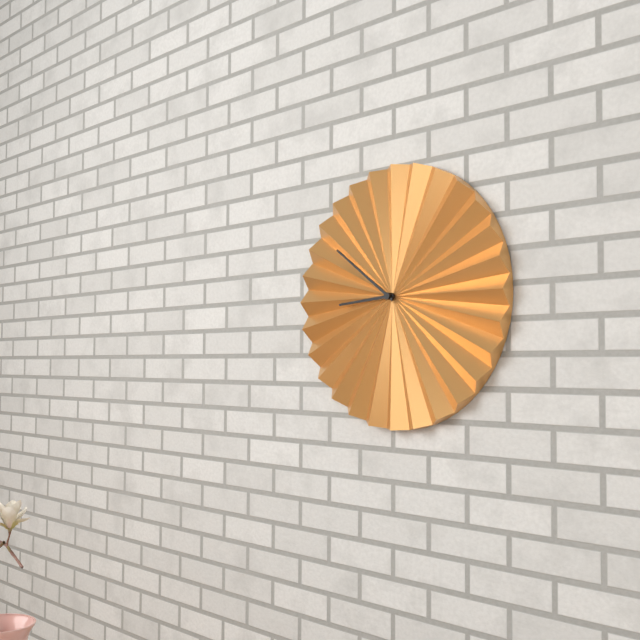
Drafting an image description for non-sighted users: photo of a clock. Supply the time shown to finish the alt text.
8:51
